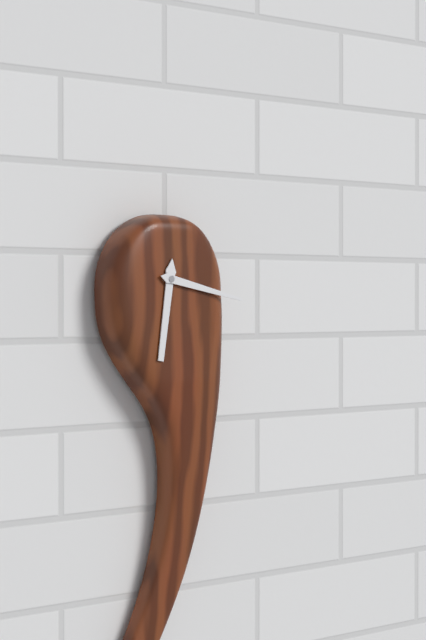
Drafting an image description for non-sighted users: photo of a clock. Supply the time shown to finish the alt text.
6:17
